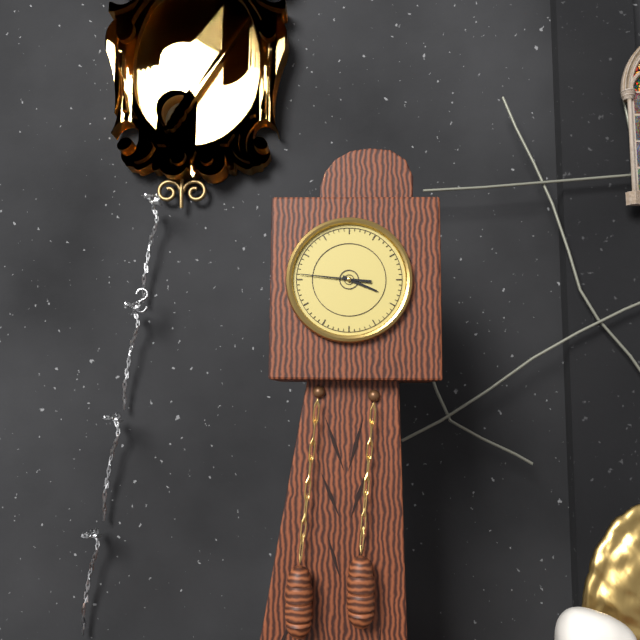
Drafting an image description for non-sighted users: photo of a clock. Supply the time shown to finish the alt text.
3:46
